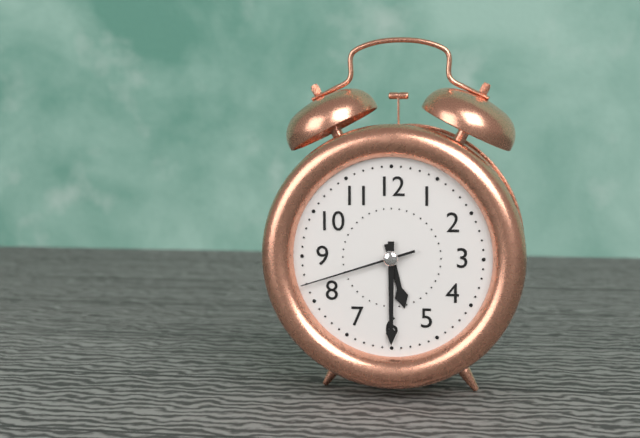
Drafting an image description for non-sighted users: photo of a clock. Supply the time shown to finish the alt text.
5:30:42
